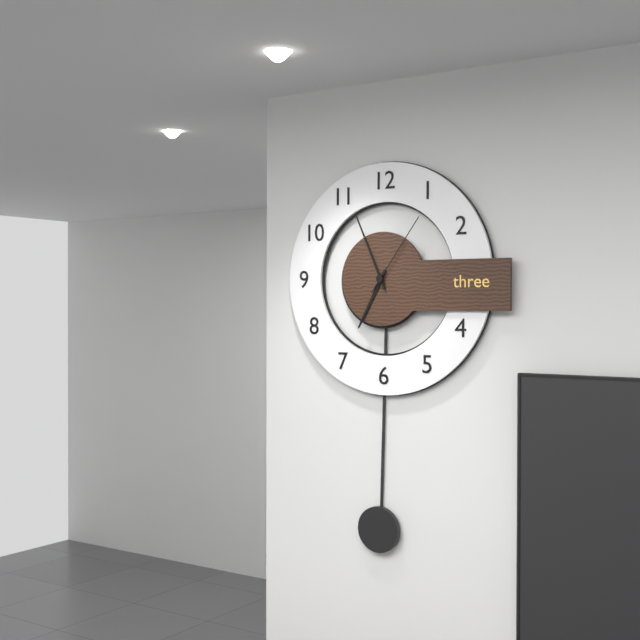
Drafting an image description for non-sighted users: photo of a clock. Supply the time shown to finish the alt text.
6:56:06
